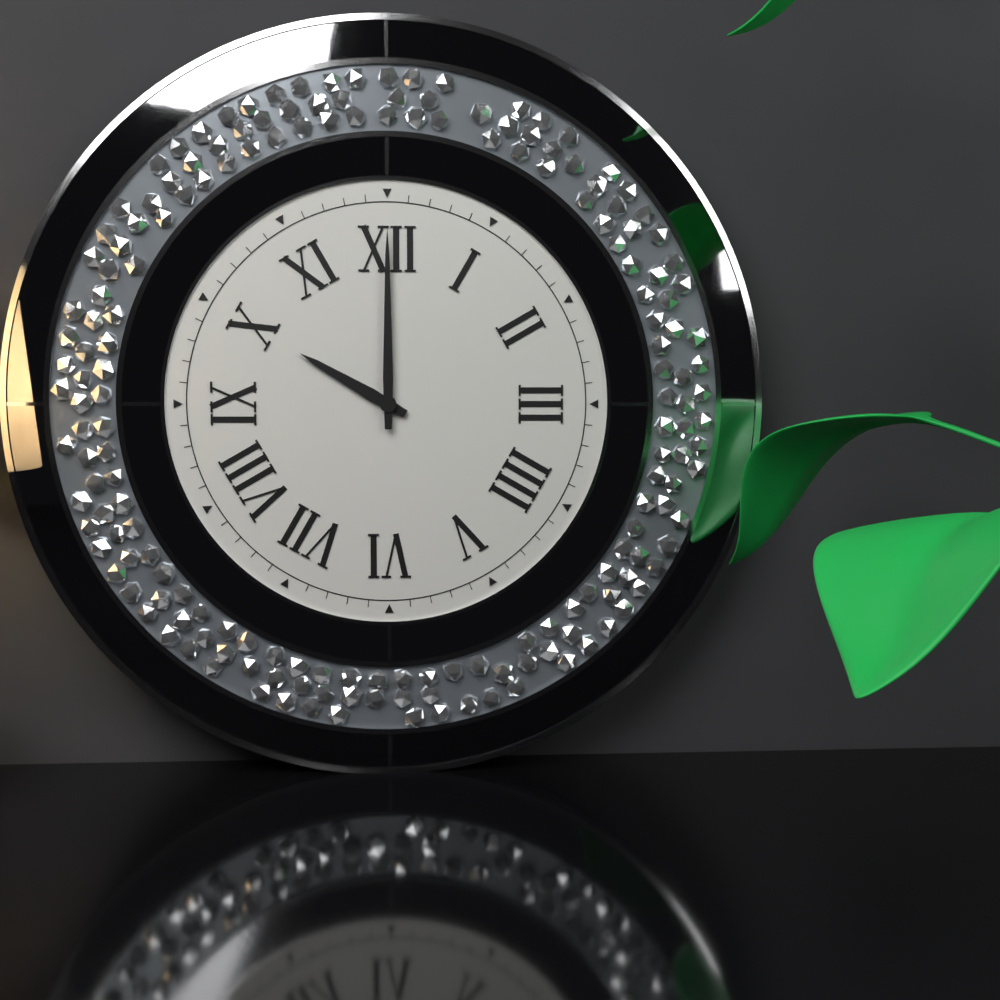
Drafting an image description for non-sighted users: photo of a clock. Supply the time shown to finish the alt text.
10:00
